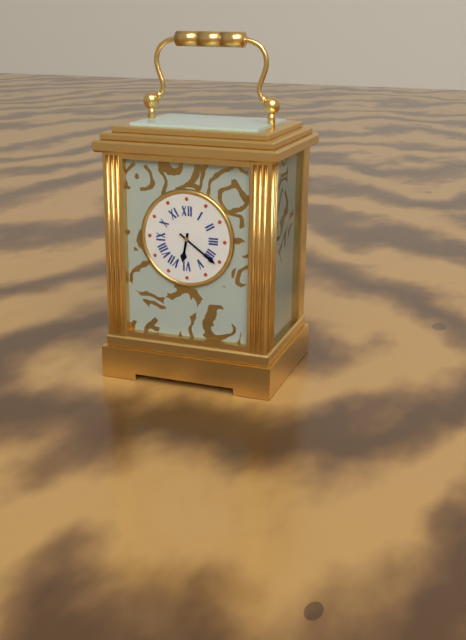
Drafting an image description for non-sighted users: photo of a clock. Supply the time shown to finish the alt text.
6:21
